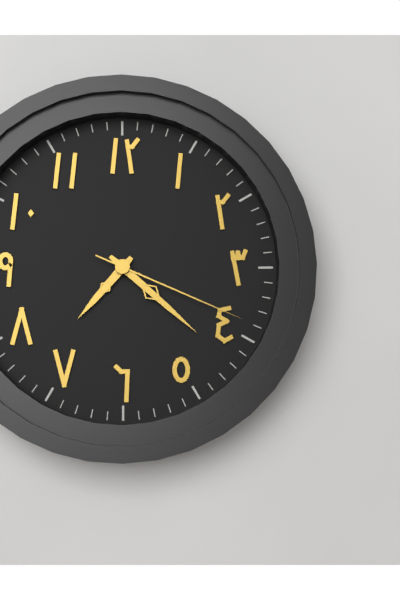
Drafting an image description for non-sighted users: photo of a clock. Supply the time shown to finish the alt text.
7:22:19
